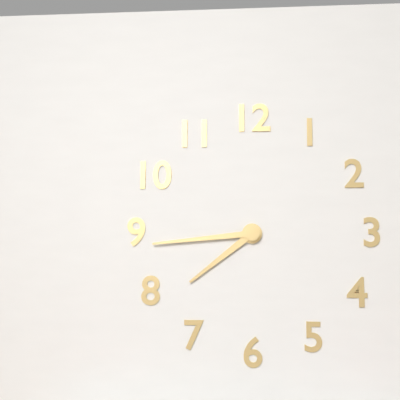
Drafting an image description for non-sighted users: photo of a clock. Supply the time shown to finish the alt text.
7:44
